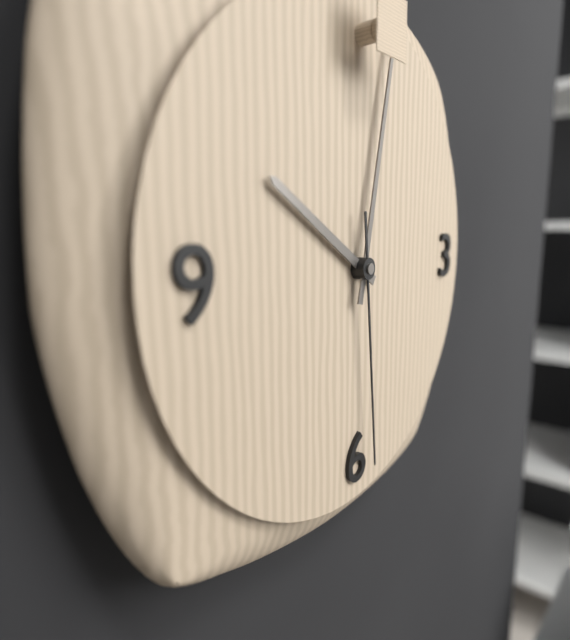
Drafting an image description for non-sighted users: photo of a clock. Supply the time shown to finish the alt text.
10:02:29
